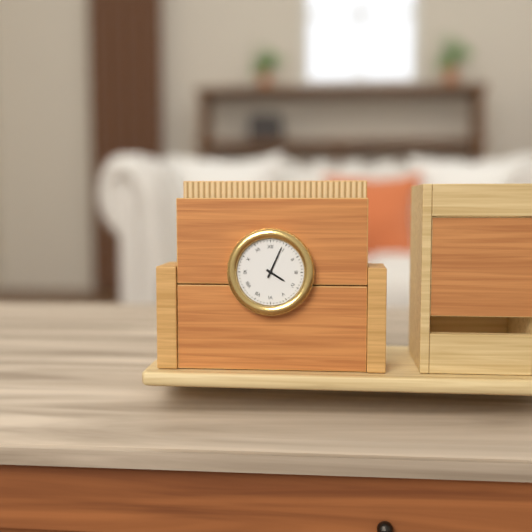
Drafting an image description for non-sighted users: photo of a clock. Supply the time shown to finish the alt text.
4:04
